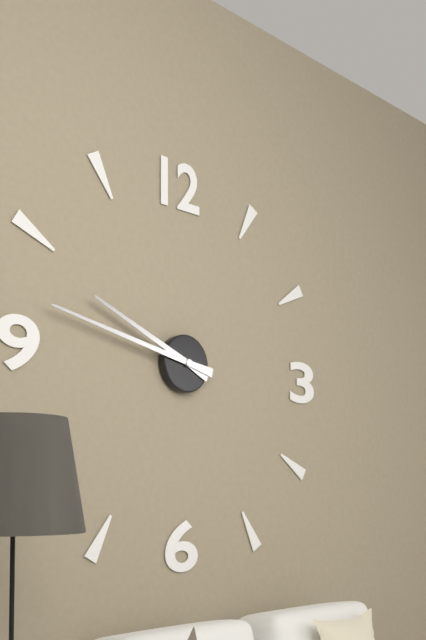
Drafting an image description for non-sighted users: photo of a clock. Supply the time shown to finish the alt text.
9:47
